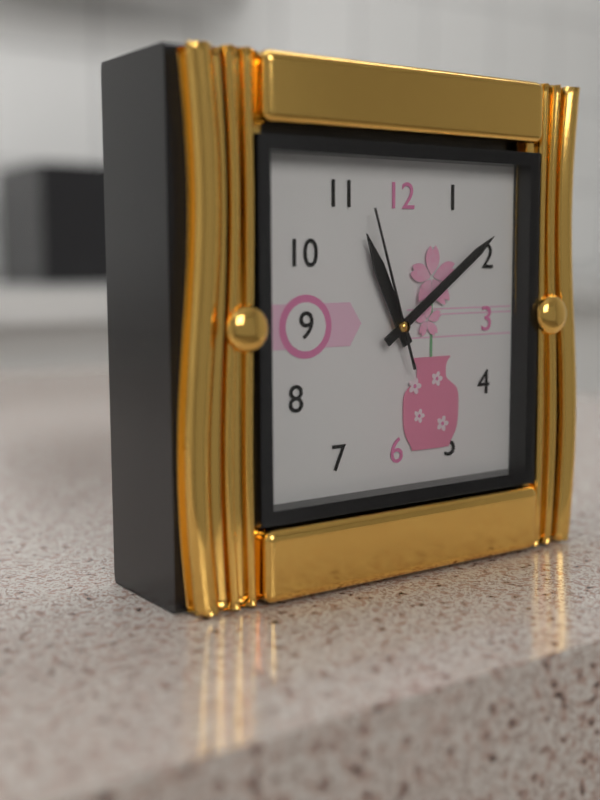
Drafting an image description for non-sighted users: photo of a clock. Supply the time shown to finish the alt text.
11:09:57
